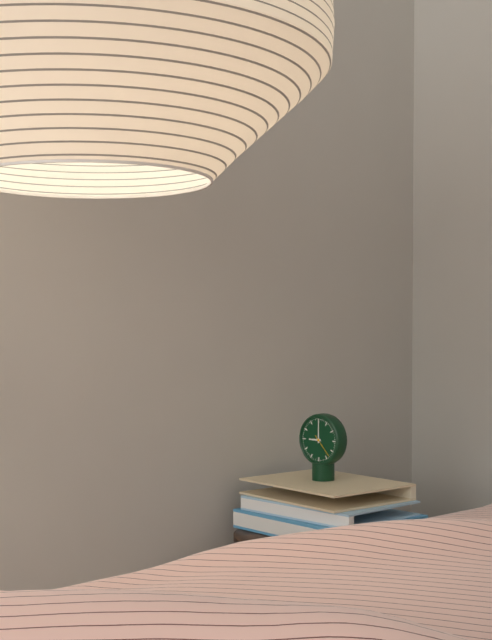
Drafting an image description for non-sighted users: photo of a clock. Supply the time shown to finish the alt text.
9:00
